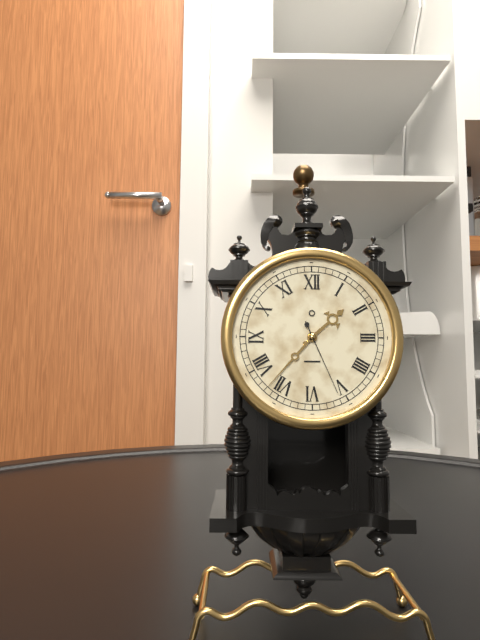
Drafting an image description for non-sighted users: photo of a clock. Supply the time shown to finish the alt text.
1:37:26
